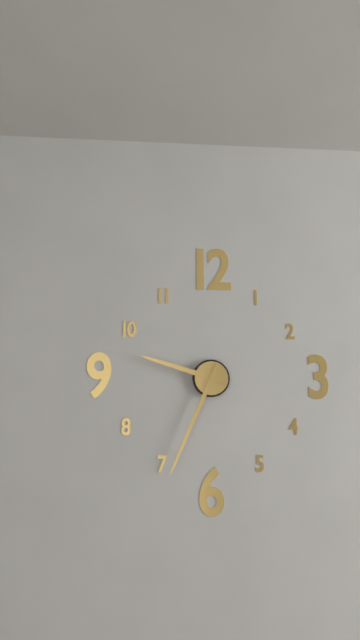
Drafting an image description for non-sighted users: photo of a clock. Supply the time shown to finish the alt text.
9:34
